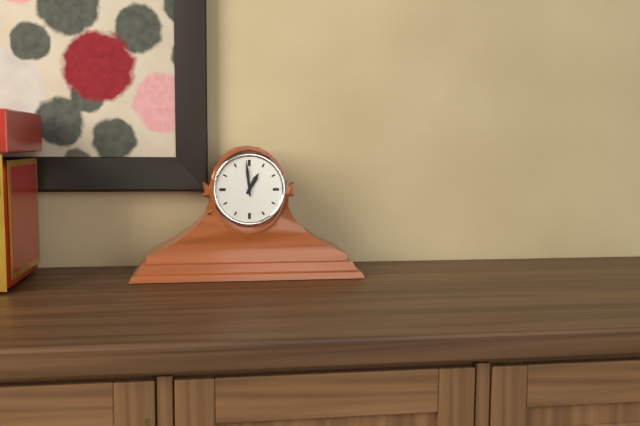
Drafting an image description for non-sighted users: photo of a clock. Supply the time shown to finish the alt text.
12:59
